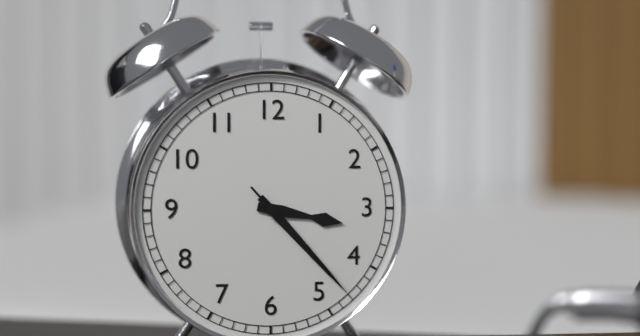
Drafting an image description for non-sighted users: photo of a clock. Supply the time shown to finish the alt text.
3:23:23
